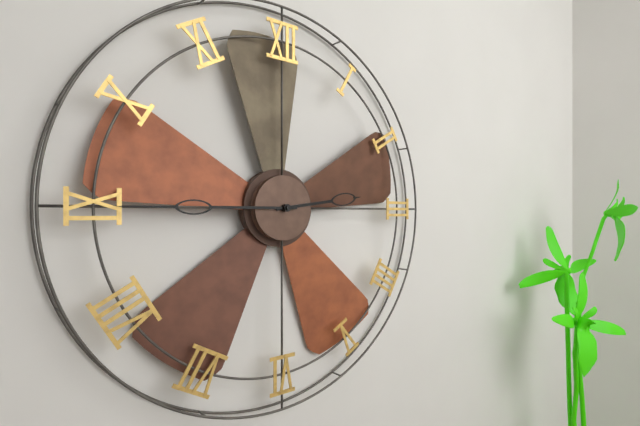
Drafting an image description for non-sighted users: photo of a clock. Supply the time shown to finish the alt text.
2:45
